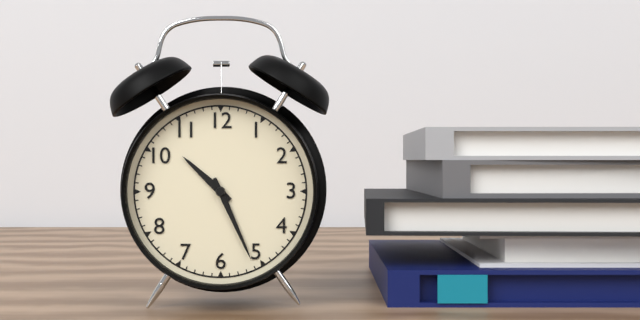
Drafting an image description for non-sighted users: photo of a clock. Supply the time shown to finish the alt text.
10:26
